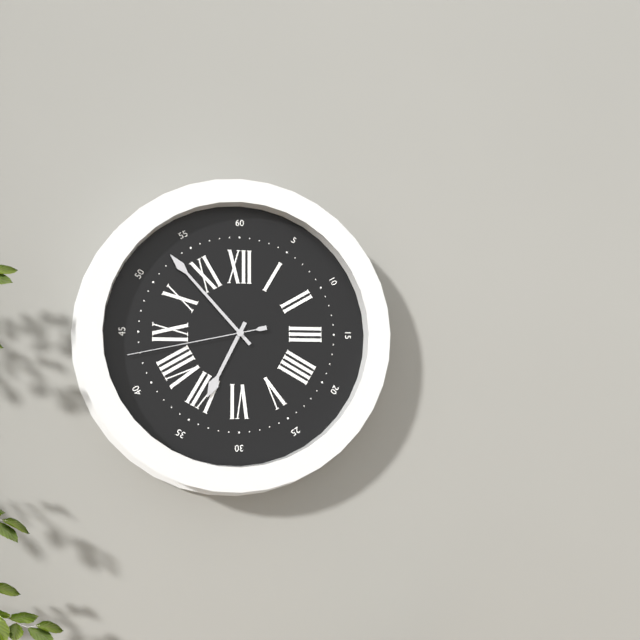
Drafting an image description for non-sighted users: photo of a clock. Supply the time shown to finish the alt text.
6:53:43
